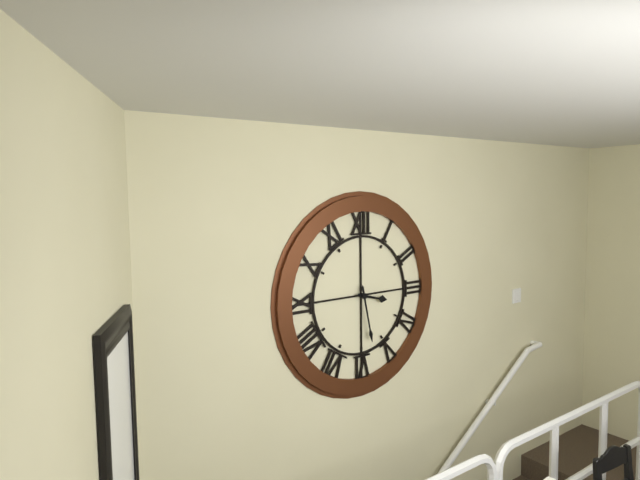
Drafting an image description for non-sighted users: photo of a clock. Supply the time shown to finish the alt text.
3:28
